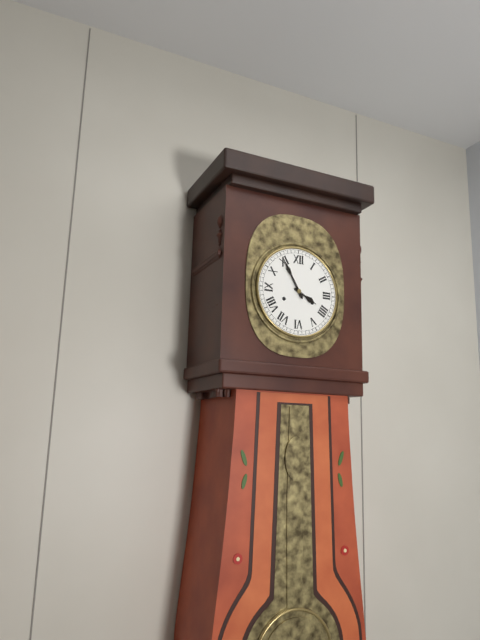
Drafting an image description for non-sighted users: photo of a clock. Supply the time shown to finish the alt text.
3:55
